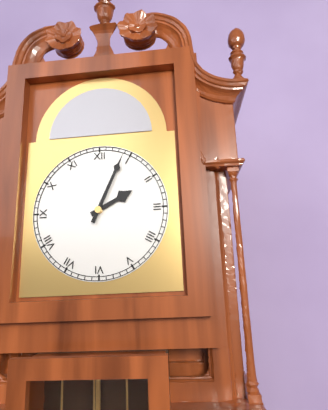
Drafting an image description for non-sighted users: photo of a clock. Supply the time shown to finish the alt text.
2:04
